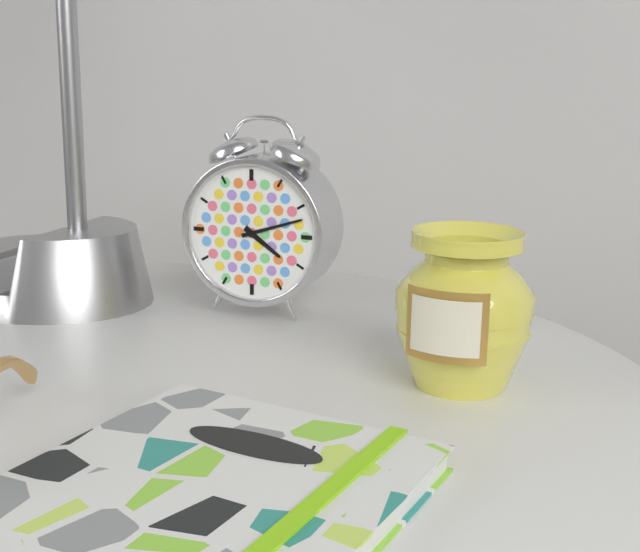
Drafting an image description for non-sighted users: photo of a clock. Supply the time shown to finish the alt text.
4:12
